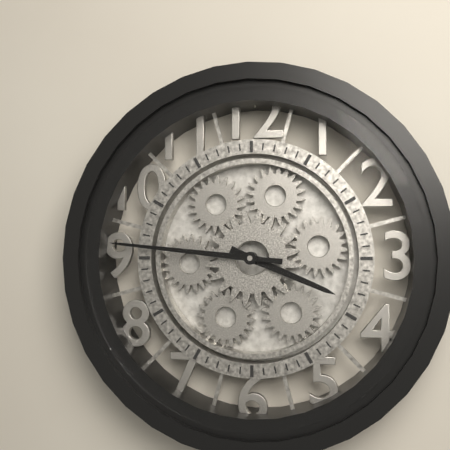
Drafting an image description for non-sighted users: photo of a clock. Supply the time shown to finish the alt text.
3:46
